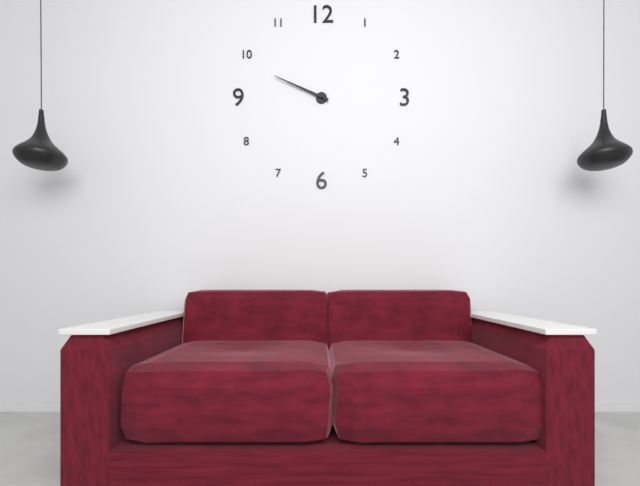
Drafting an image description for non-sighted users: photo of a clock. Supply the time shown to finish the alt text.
9:49
